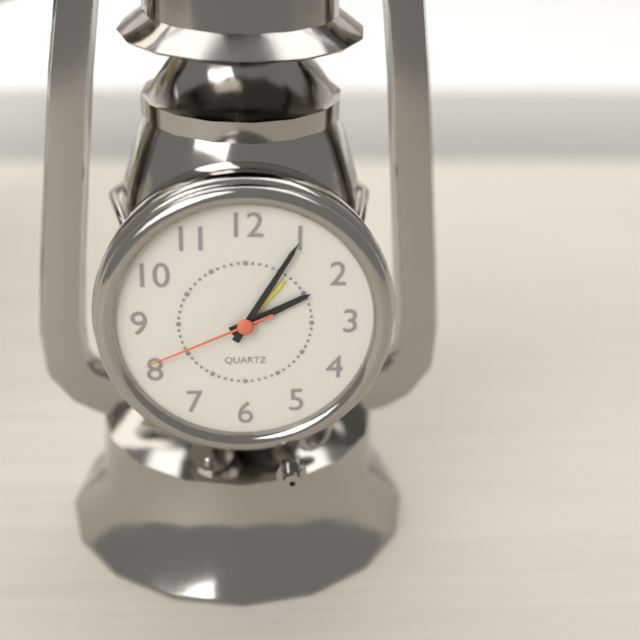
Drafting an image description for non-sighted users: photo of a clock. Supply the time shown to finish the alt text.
2:05:41
